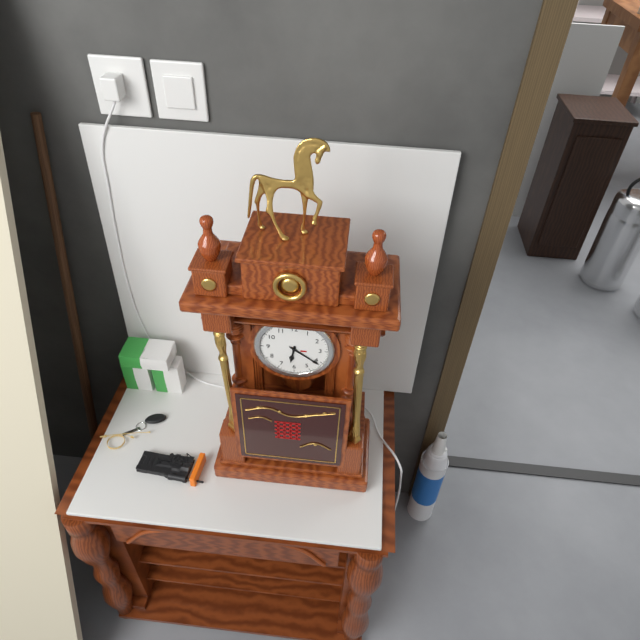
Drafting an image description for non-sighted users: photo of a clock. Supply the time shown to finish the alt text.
6:21
